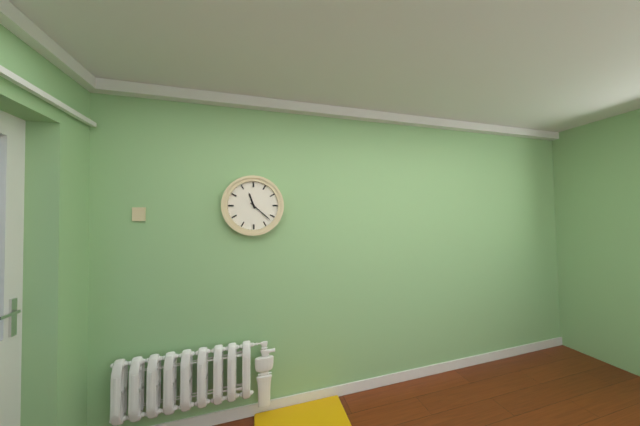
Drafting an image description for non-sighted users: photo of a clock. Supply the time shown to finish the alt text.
11:22
